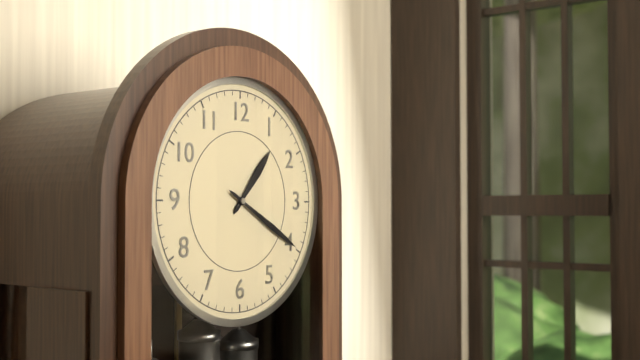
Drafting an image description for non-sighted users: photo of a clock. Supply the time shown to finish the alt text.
1:20
